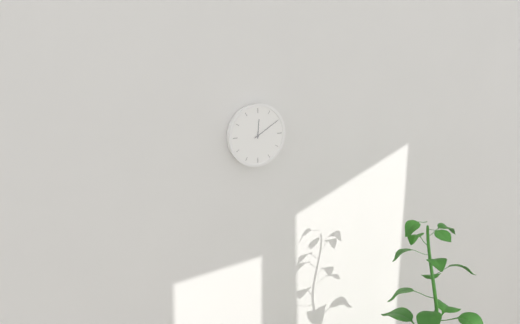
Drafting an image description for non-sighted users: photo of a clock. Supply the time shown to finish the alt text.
12:10
